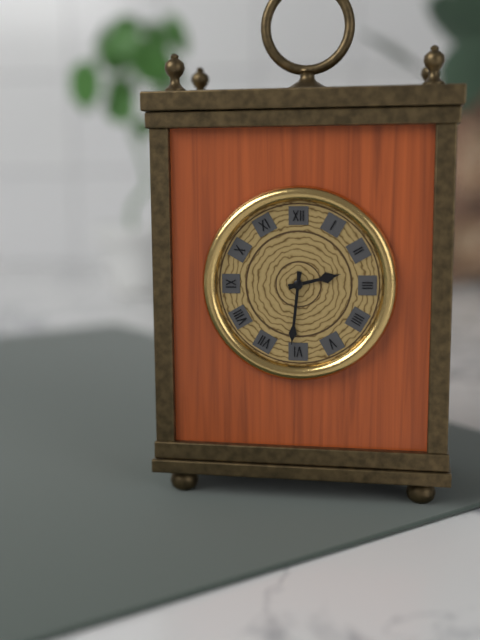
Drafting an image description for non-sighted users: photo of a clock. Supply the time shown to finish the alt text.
2:31
